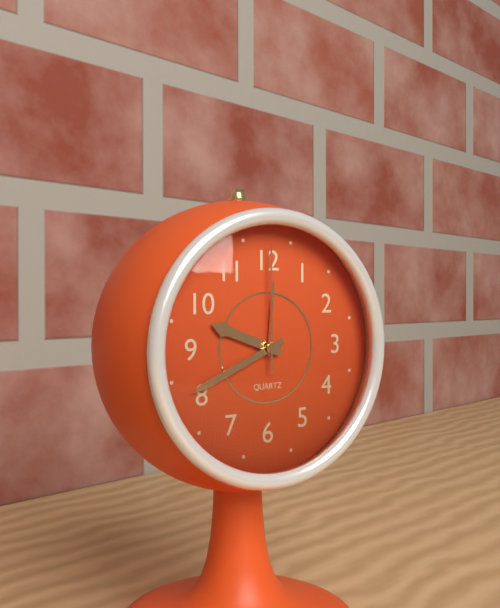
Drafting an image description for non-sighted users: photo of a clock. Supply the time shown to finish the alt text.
9:41:00
